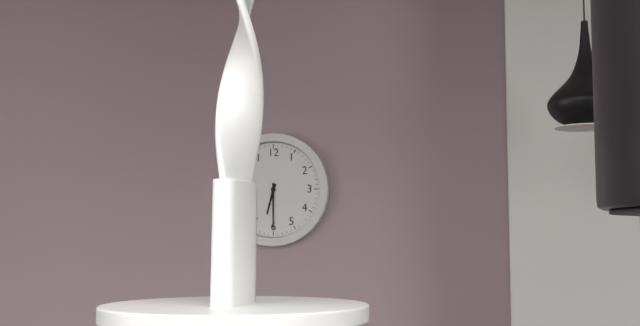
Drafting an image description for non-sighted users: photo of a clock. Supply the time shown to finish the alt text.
6:30
